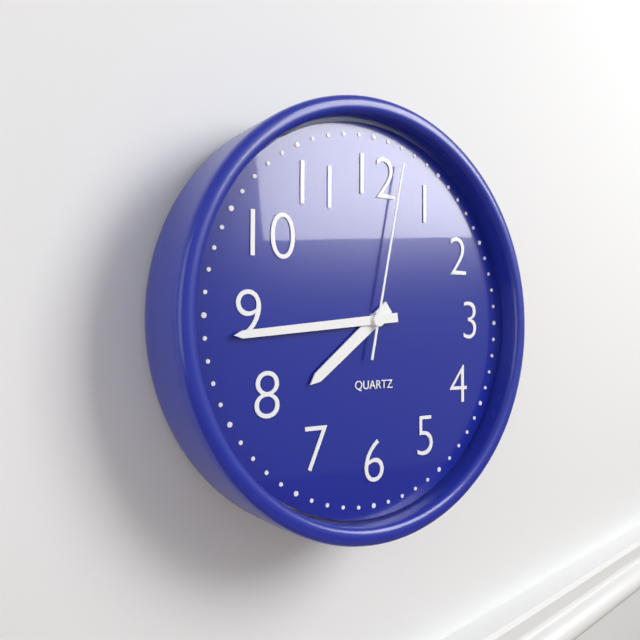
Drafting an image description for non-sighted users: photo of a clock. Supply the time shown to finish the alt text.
7:44:02
